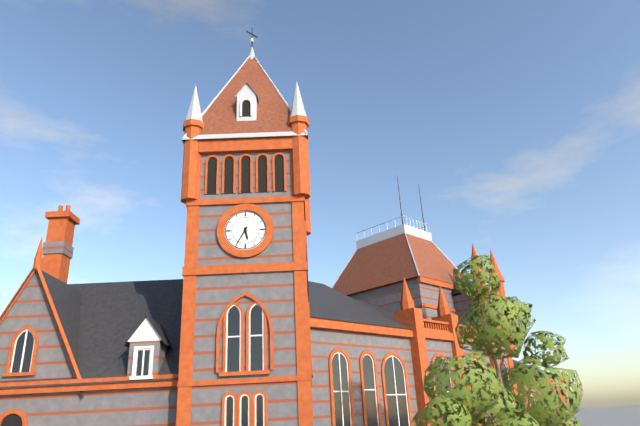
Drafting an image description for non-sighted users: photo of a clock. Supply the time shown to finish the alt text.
5:35
